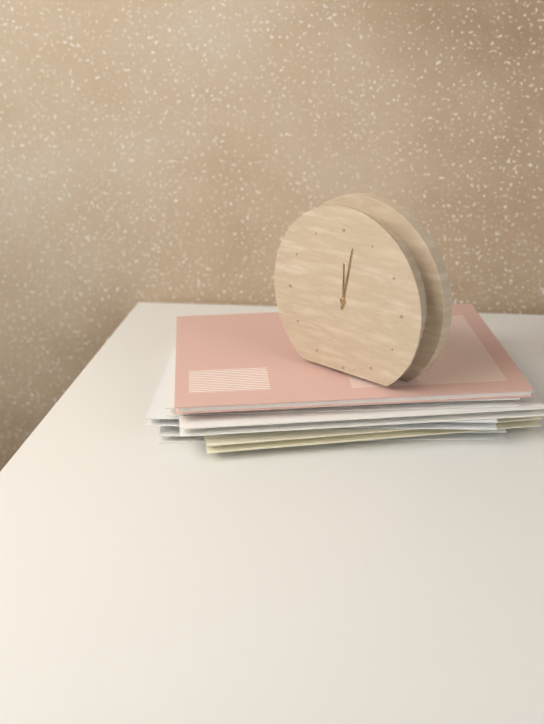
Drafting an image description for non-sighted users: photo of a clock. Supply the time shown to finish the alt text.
12:02
